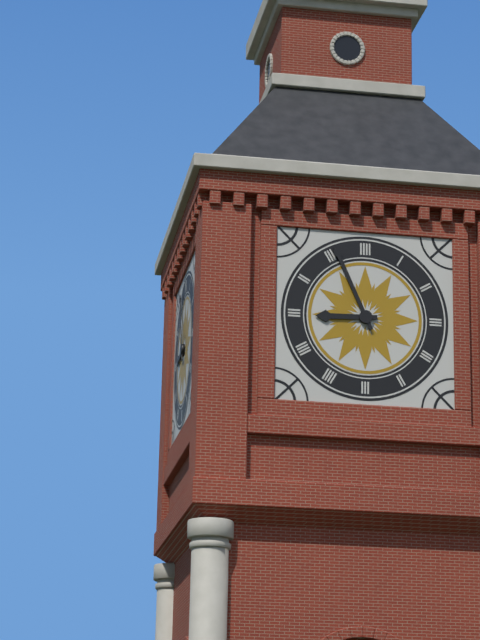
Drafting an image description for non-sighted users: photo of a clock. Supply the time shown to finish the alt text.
8:56
